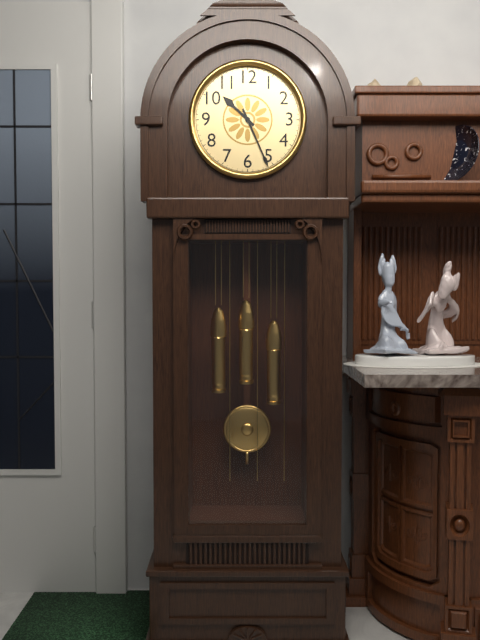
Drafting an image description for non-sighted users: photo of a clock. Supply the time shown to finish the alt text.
10:26
